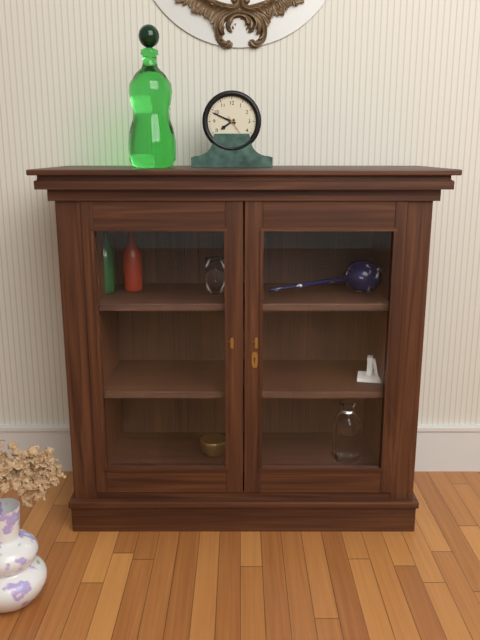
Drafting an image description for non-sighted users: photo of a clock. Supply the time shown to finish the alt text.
7:49
